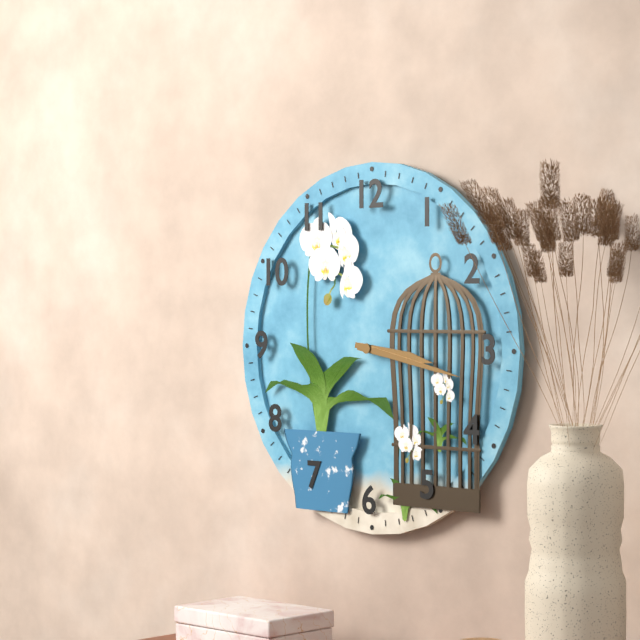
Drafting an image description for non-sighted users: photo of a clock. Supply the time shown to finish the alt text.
3:17
